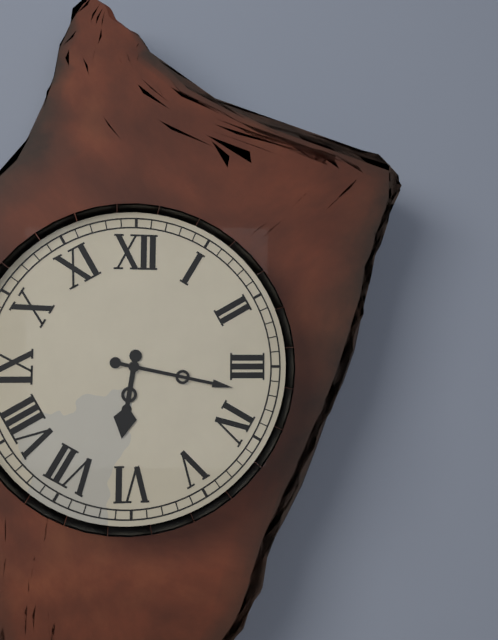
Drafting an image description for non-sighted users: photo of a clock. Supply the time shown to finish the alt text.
6:17
